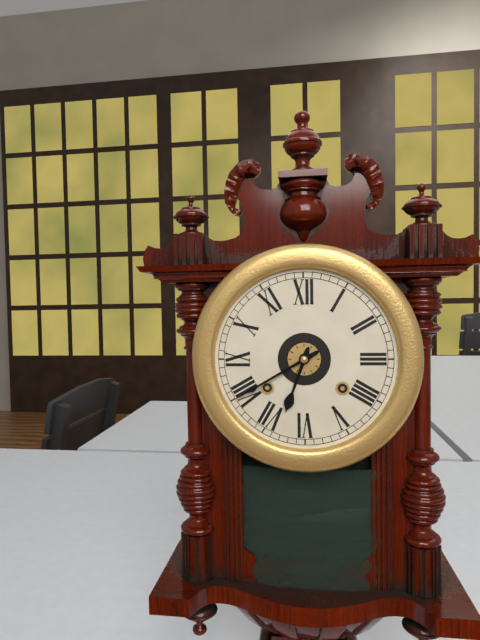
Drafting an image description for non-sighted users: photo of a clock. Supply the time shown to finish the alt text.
6:40
